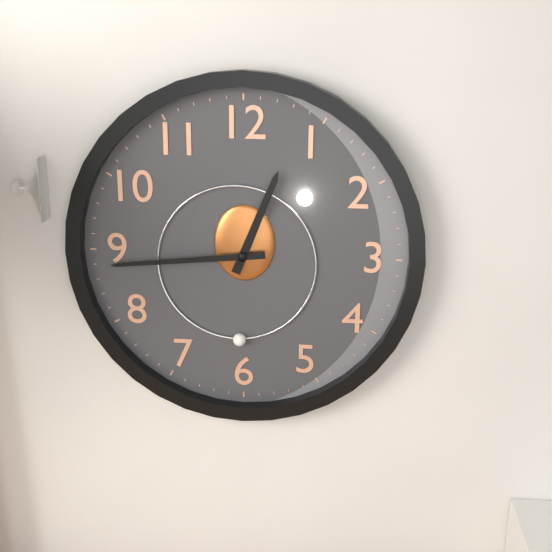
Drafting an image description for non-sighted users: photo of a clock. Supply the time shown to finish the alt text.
12:44
